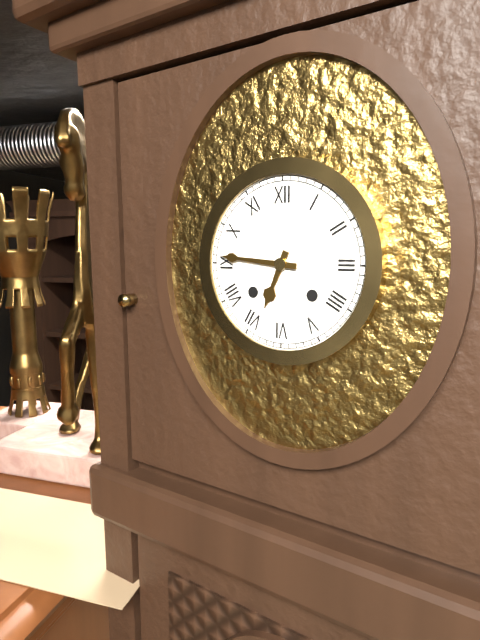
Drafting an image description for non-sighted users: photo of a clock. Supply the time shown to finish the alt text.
6:46
